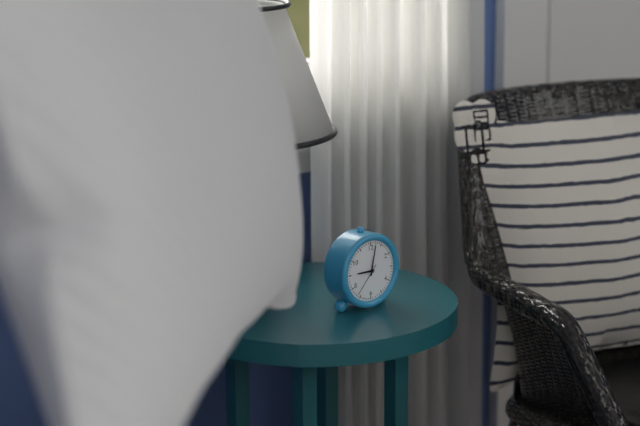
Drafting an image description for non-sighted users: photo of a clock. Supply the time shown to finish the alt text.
9:02
